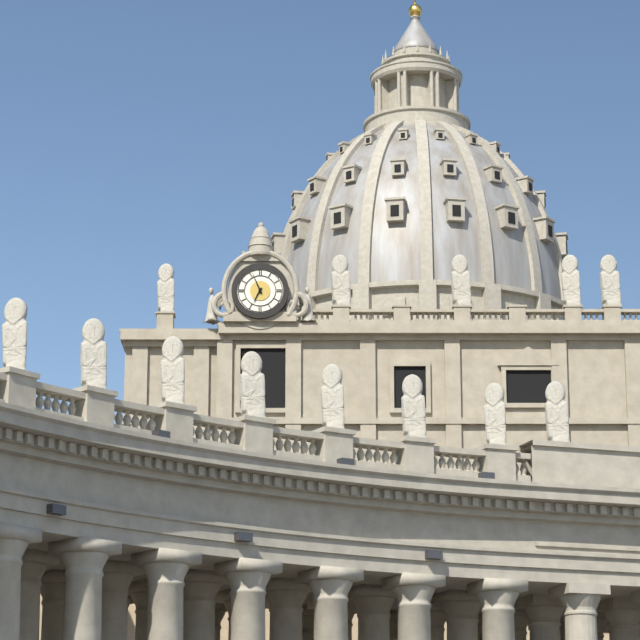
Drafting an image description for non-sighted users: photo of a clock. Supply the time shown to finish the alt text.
6:56
